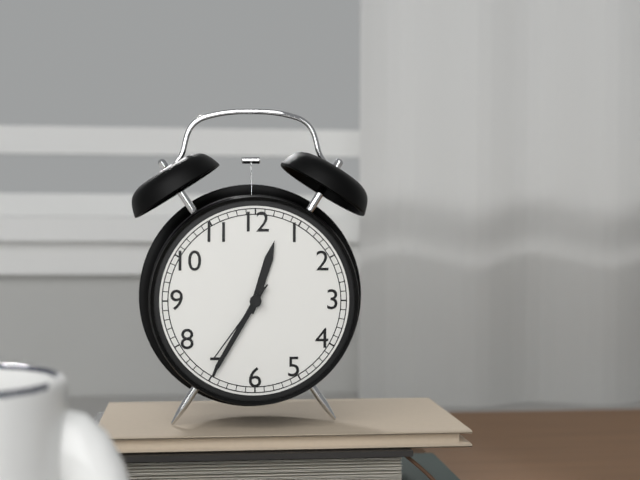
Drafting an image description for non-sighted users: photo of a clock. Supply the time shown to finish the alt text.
12:35:36
